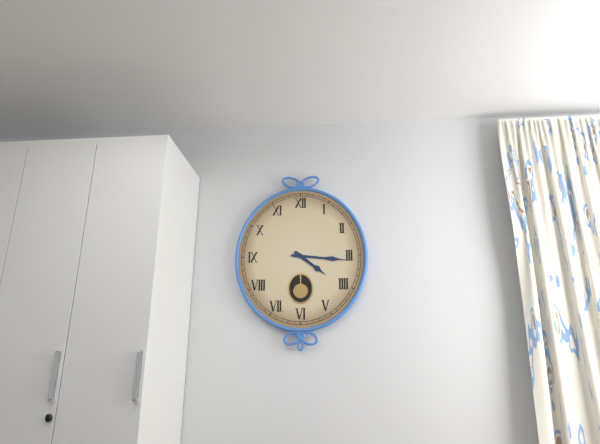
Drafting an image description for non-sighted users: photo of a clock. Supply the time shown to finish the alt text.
4:16
